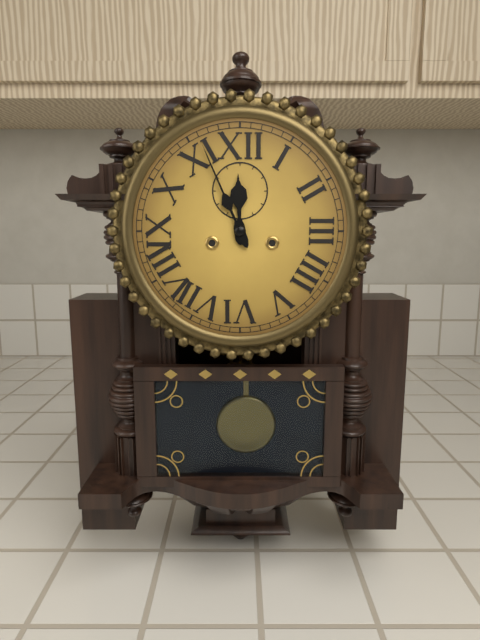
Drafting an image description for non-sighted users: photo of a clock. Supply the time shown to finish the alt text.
11:56
